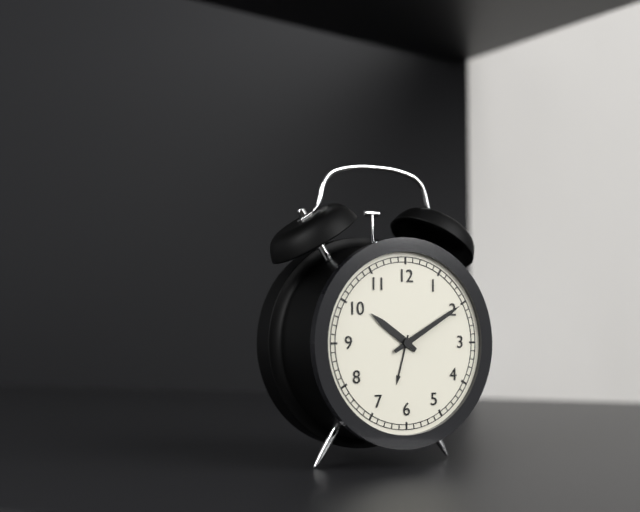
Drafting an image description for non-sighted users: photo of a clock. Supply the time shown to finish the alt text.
10:10
